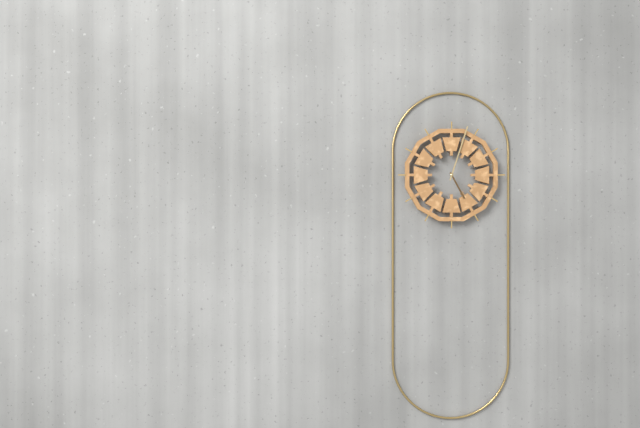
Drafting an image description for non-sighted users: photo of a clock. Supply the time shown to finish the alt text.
5:03
